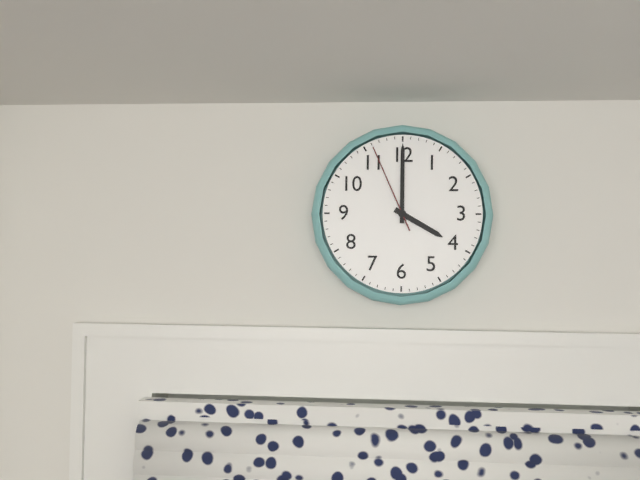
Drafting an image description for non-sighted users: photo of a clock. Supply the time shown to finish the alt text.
4:00:56
